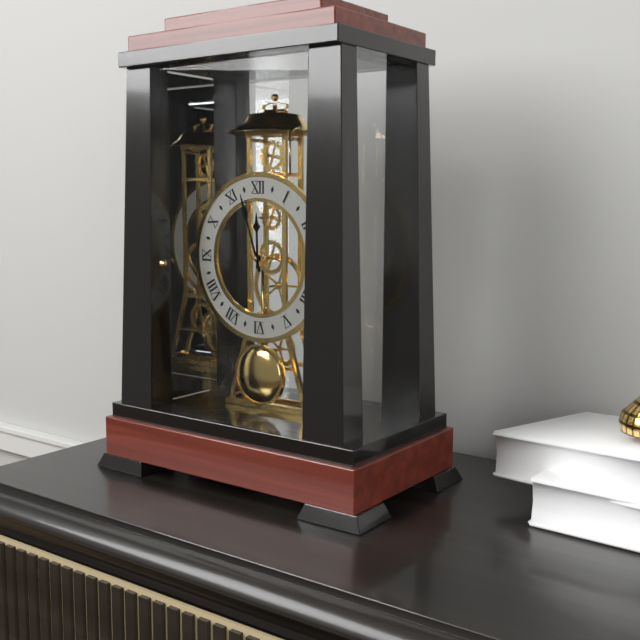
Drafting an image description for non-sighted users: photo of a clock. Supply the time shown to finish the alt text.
11:57
